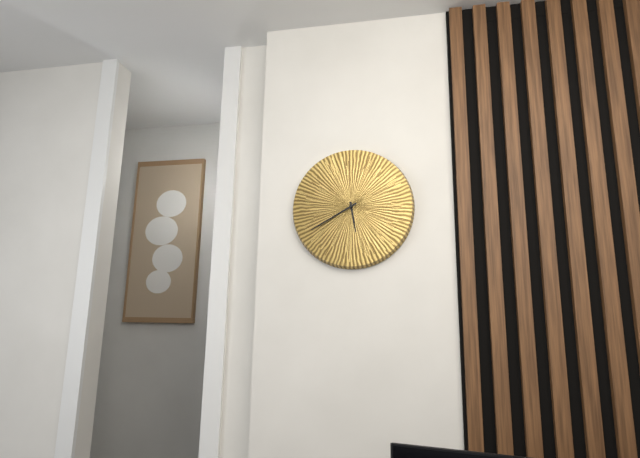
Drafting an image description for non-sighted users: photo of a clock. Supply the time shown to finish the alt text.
5:40
